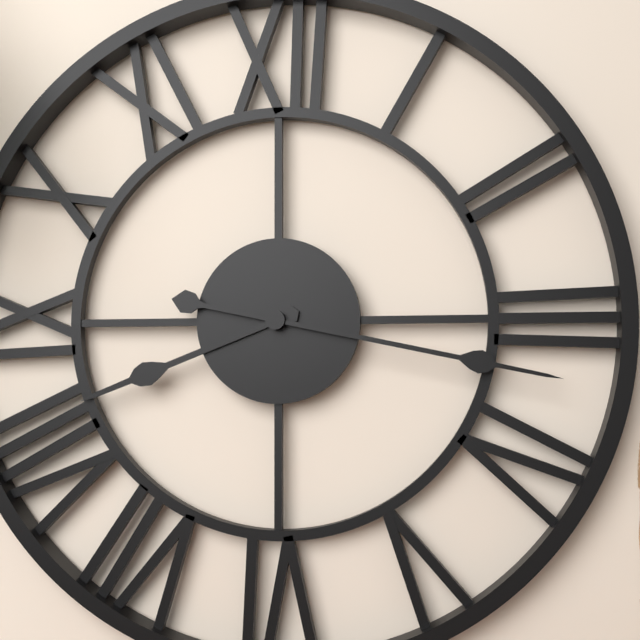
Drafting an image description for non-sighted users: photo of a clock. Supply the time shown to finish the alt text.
8:17
